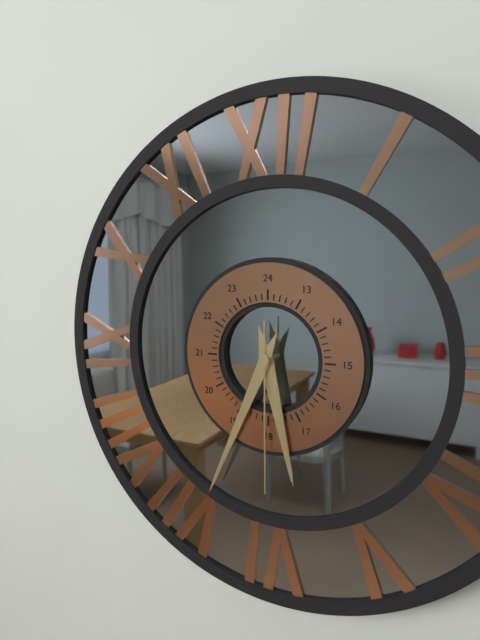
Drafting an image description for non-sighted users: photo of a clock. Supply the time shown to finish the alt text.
5:34:30
